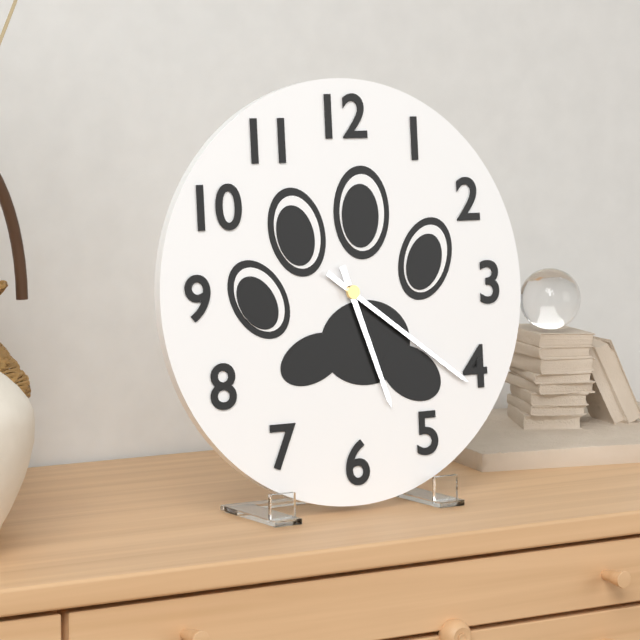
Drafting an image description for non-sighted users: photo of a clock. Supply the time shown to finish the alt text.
5:21
